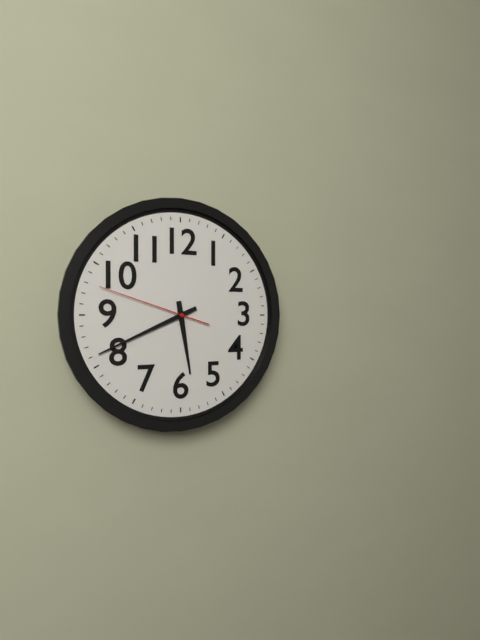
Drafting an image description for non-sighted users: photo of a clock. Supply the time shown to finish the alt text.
5:41:48
